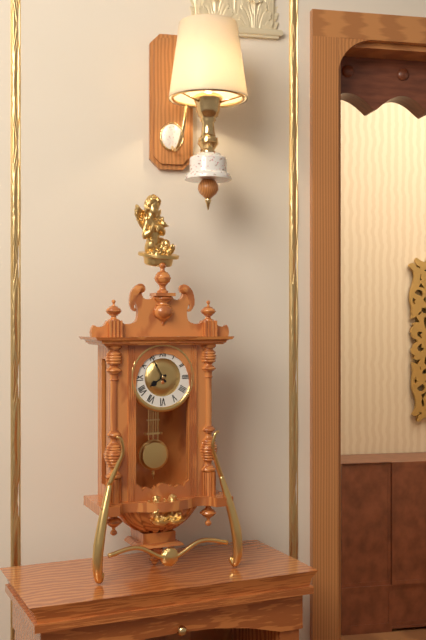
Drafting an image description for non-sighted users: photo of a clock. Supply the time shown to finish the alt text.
7:55
